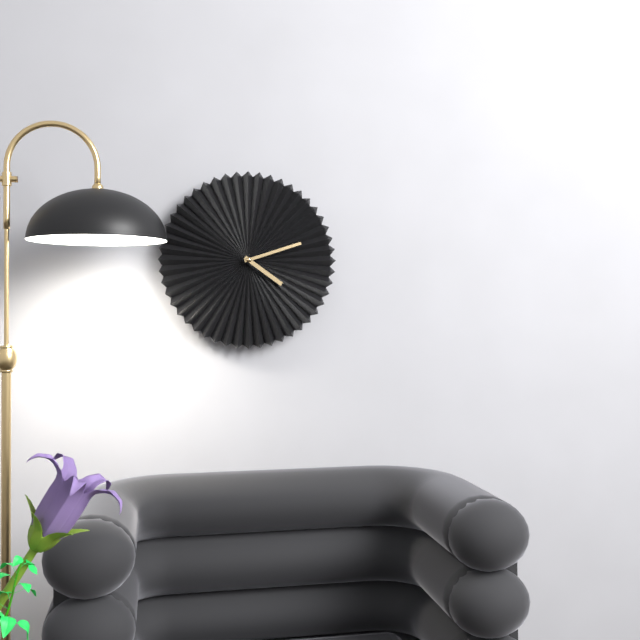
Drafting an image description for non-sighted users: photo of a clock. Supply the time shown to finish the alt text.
4:12
